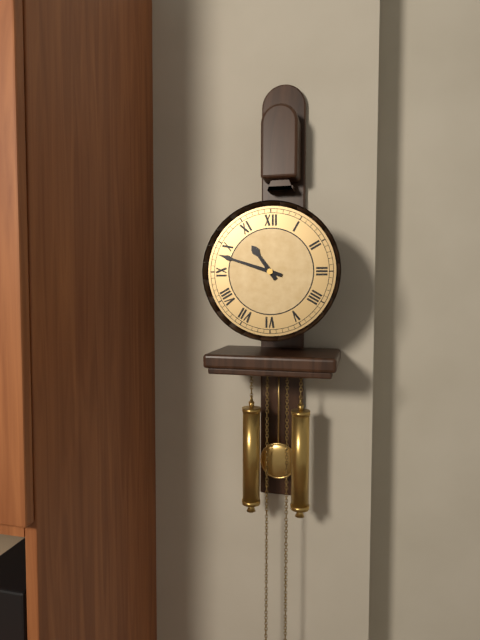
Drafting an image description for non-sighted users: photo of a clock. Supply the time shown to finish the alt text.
10:48
